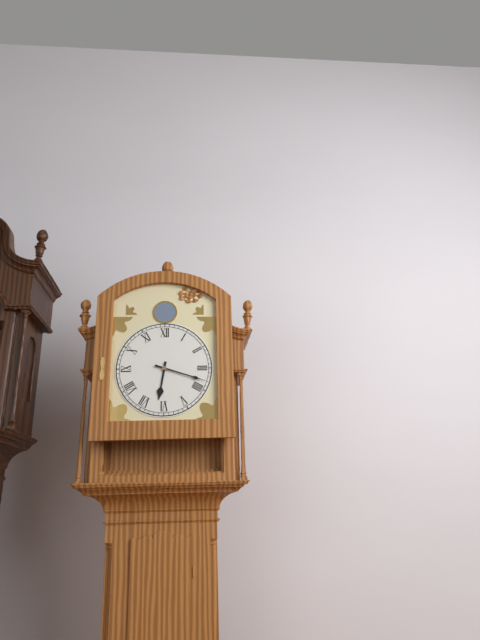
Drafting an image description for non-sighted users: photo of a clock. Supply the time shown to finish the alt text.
6:18
